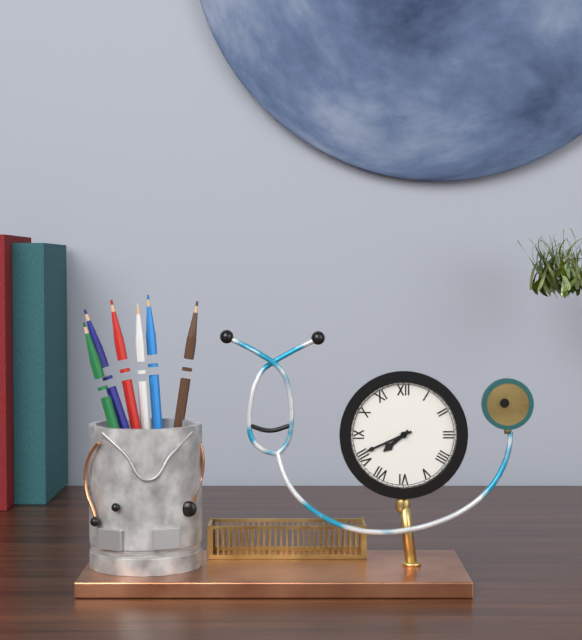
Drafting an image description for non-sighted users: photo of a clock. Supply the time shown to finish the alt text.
7:41
